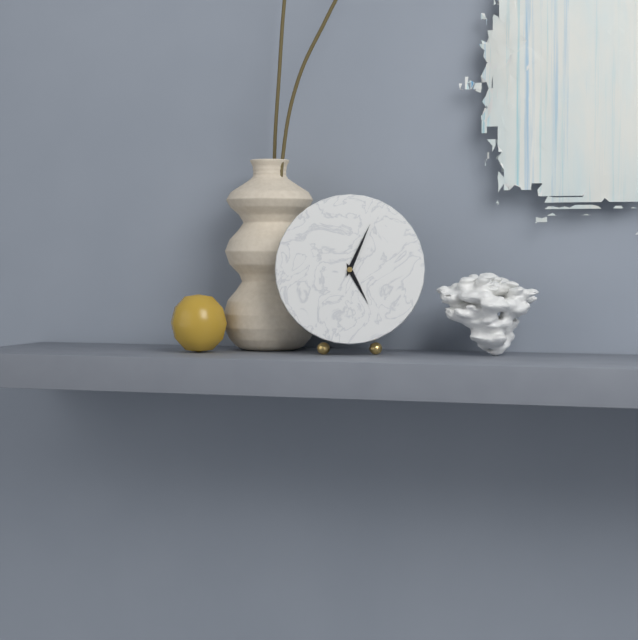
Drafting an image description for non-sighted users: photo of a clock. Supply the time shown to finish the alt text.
5:04
